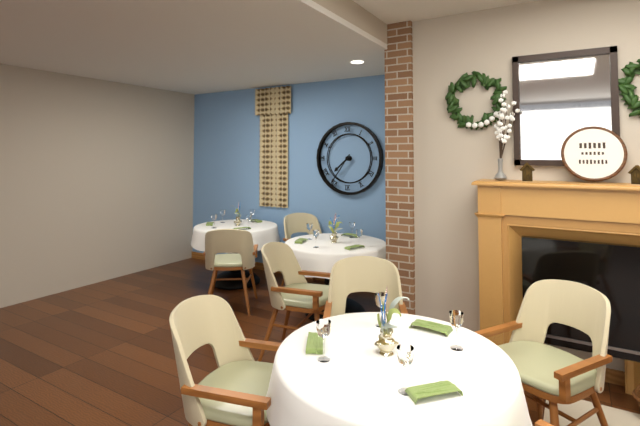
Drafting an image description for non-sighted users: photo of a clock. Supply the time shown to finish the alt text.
7:36
